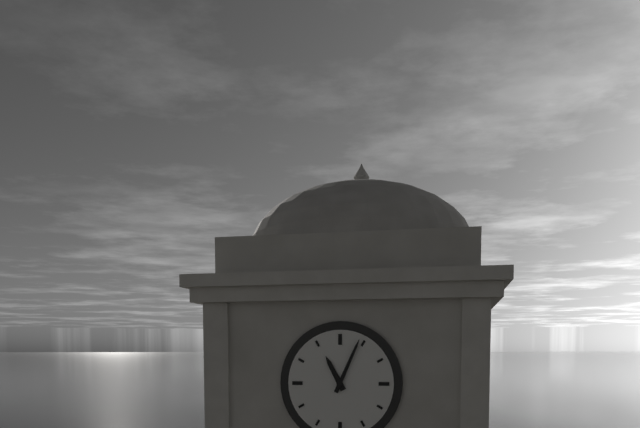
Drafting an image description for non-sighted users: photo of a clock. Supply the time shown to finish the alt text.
11:04
